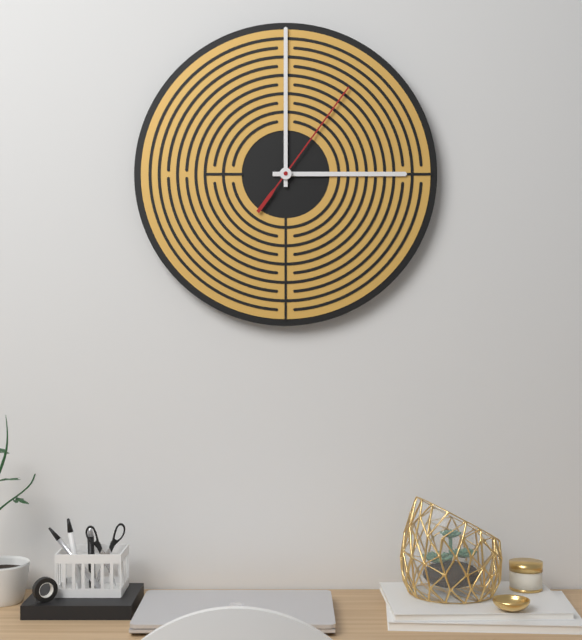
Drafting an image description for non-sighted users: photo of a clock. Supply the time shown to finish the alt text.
3:00:06
